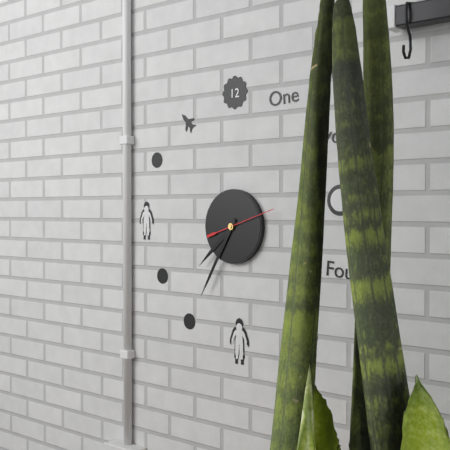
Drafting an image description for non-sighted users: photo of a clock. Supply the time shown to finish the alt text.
7:35:12
